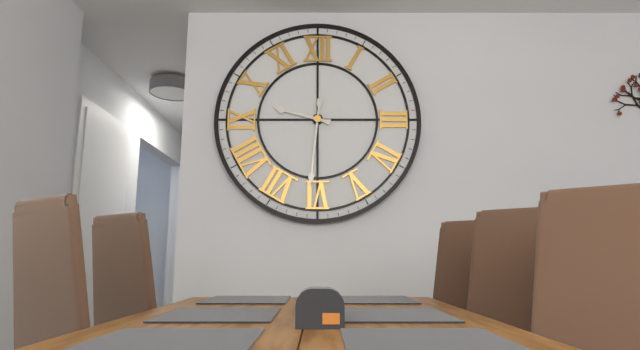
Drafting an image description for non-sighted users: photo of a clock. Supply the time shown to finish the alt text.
9:31
